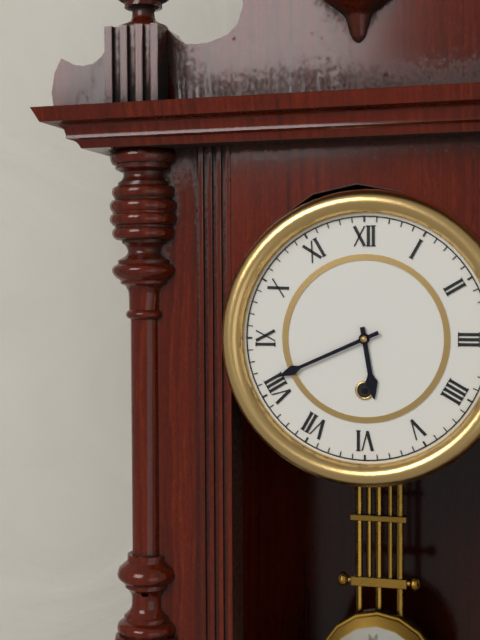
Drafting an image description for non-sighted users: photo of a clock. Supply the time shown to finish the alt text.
5:41
